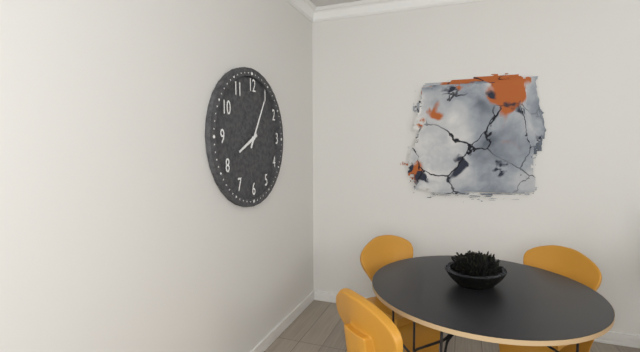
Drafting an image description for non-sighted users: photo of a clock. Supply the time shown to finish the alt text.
8:05
